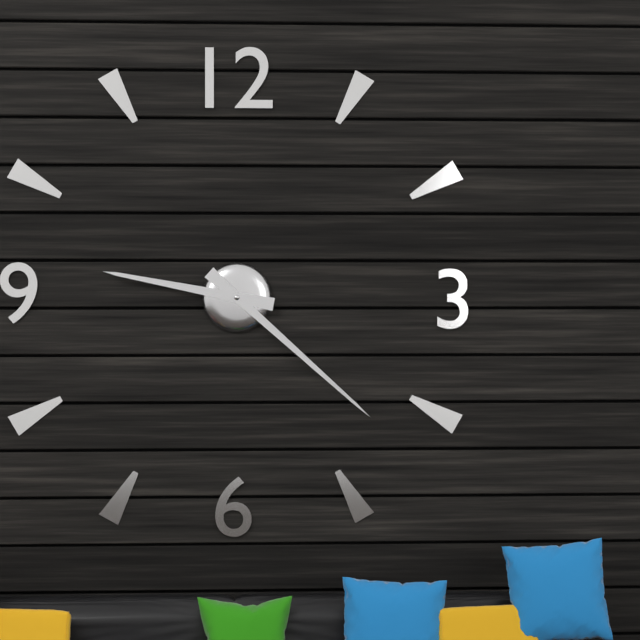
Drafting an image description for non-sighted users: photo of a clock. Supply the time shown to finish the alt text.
9:22
